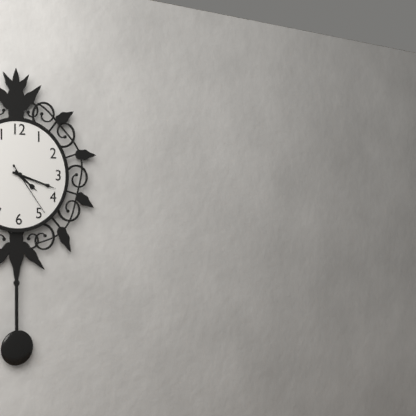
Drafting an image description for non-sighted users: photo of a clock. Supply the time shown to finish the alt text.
4:18:24
